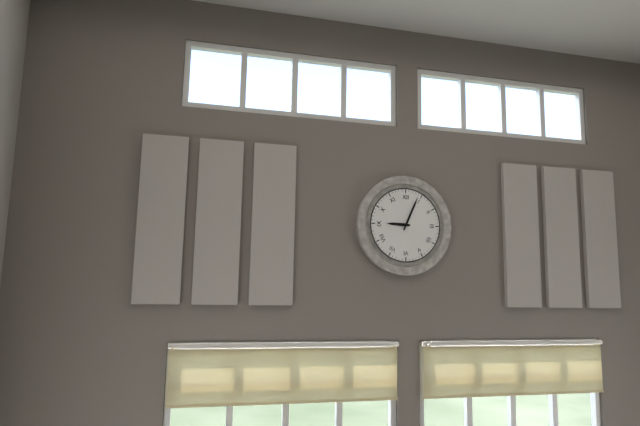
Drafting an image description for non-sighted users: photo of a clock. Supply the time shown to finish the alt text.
9:04
